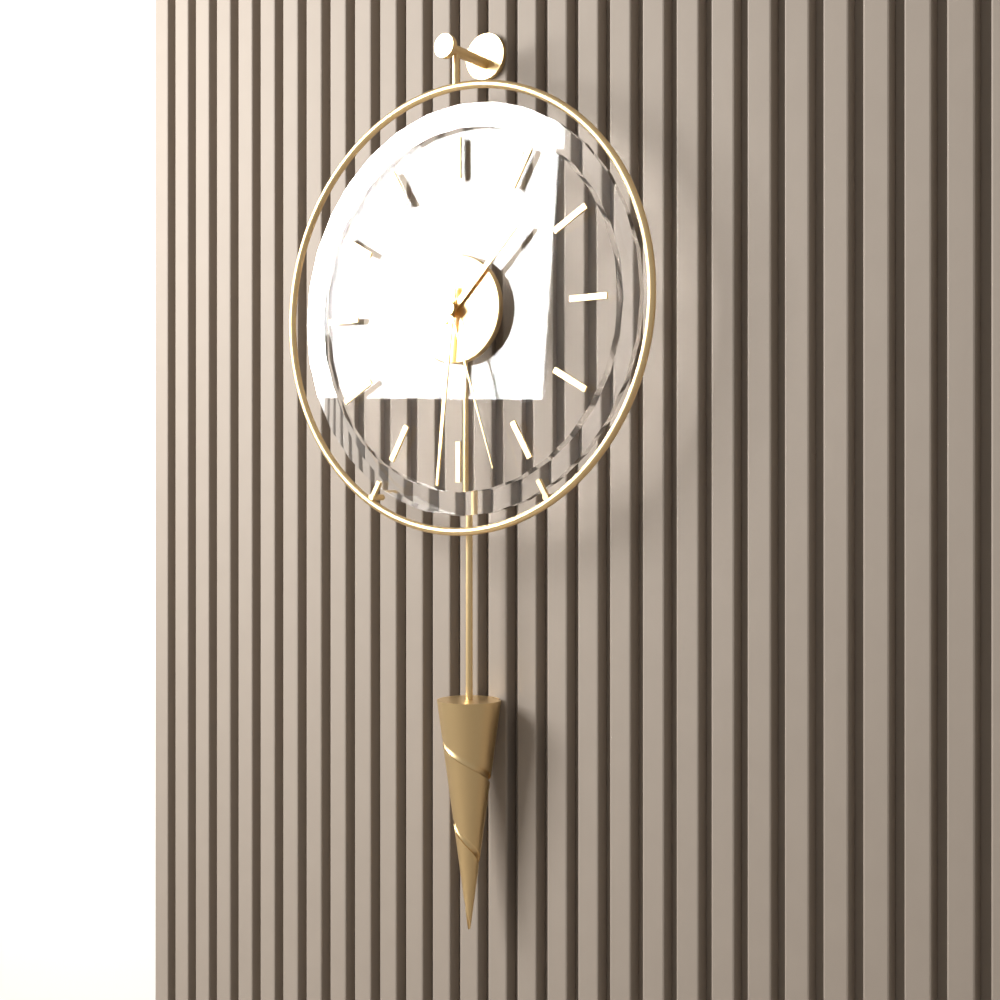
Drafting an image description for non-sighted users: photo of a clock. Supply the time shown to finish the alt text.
1:31:27
